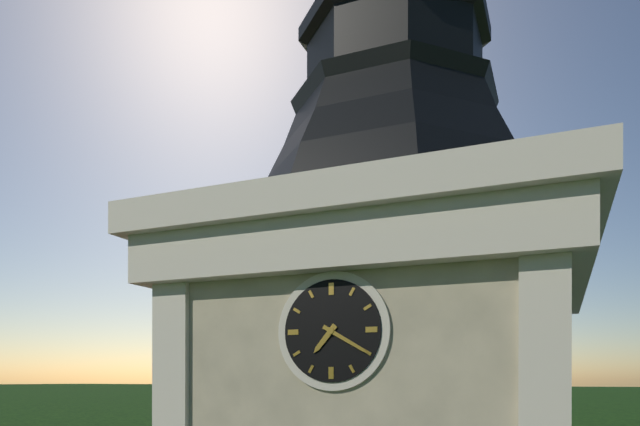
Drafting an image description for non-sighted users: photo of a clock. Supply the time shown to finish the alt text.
7:20
